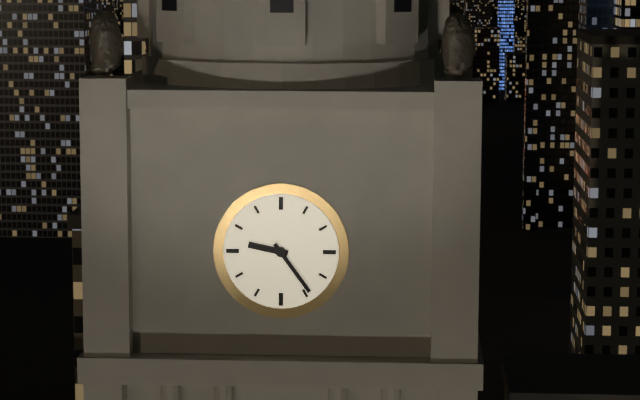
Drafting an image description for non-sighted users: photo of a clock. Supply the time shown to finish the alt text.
9:24
